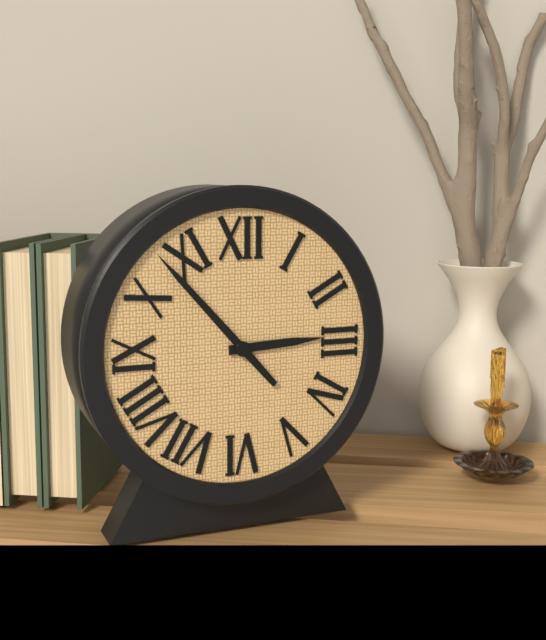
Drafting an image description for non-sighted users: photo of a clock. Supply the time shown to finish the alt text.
2:53
